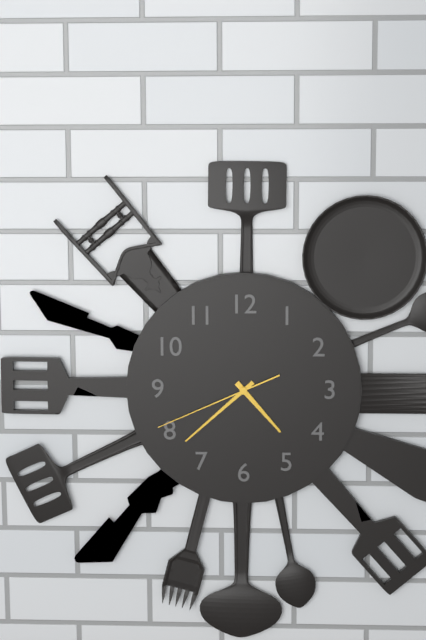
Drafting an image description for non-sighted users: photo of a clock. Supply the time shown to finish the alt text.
4:38:41
